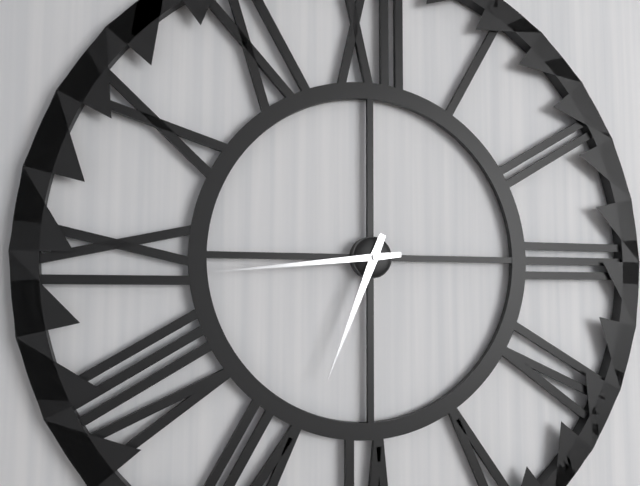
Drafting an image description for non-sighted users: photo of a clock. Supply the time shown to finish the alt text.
6:44
